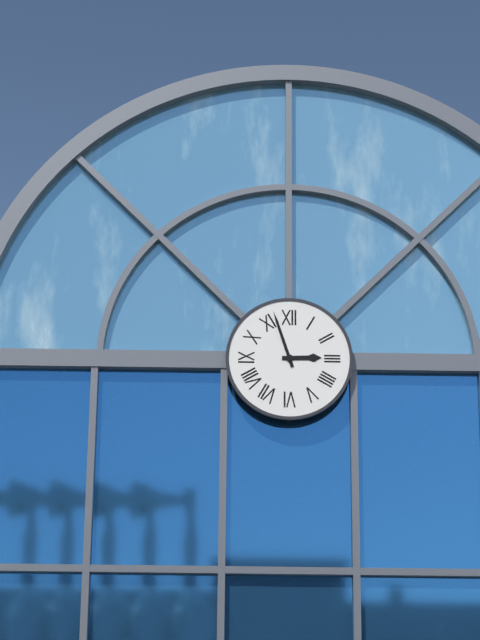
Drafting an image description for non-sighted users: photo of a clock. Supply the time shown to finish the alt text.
2:57
